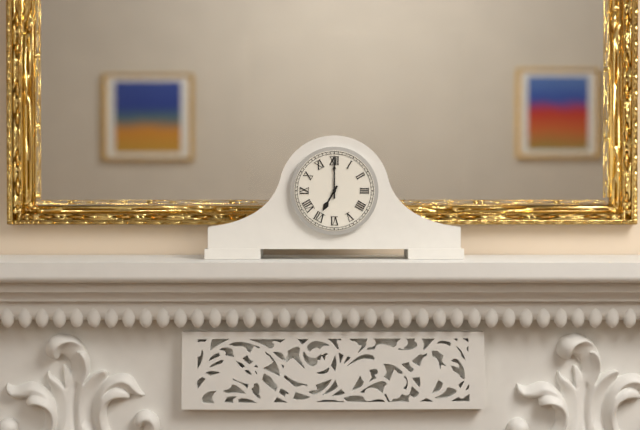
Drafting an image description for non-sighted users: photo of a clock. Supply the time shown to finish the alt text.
7:00
